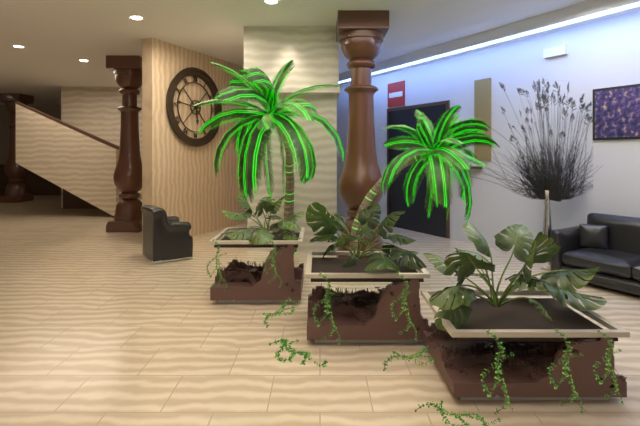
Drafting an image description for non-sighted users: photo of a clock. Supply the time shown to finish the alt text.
5:46
